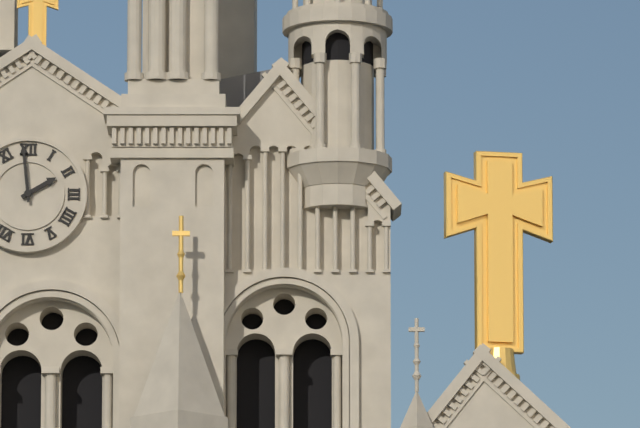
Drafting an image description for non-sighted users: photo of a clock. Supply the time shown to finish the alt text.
1:59
